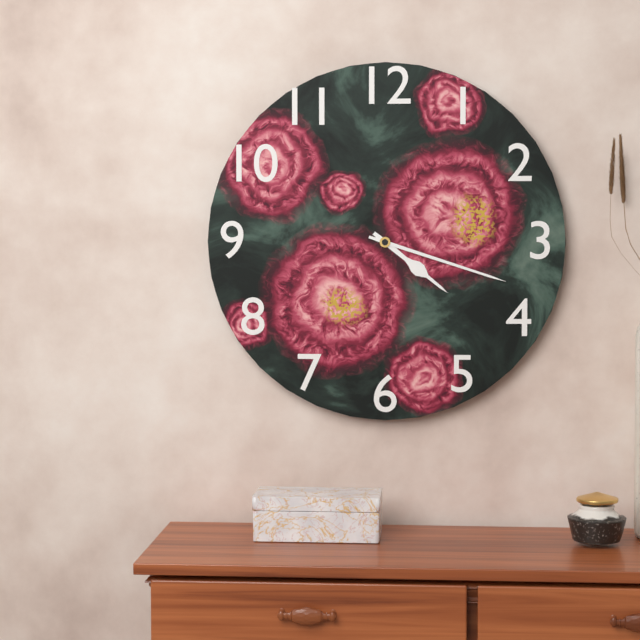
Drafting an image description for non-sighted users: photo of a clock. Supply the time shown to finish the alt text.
4:18
